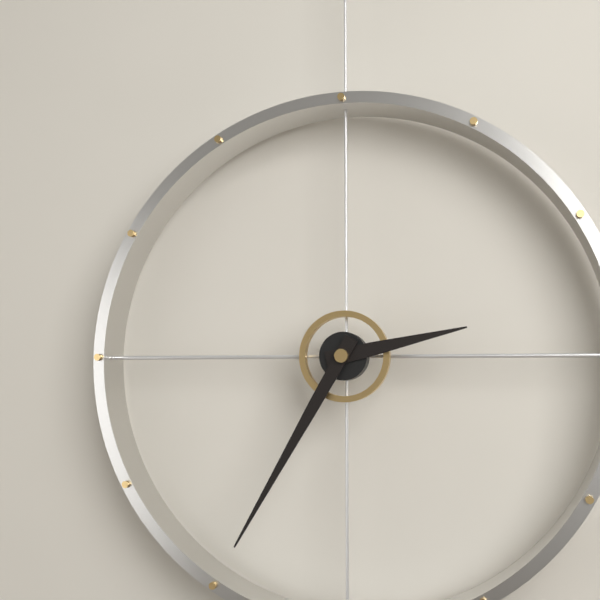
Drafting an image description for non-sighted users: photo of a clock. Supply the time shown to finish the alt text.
2:35
